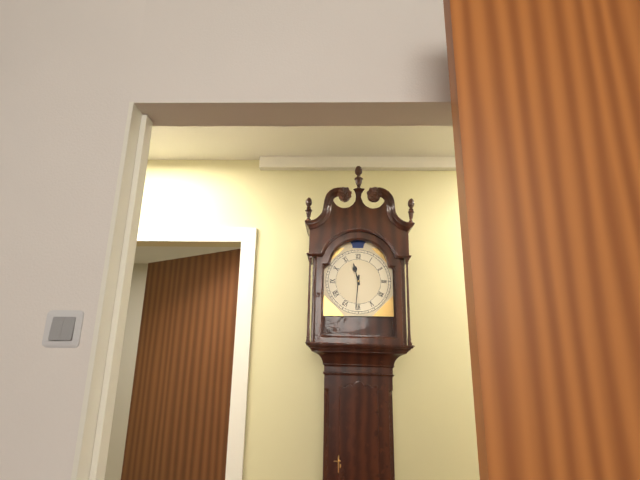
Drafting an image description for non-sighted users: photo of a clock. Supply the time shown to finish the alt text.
11:31
